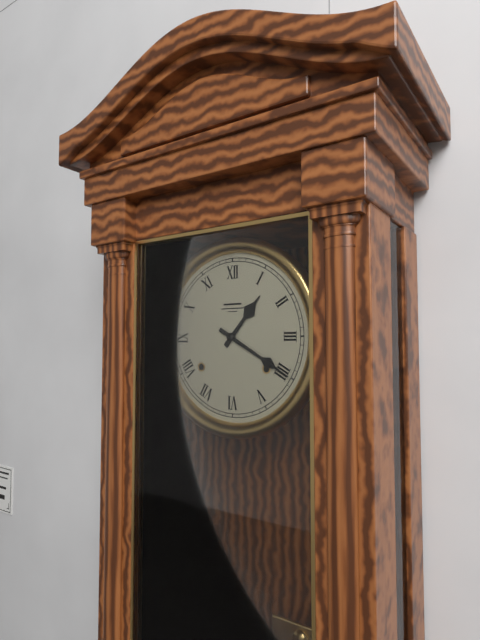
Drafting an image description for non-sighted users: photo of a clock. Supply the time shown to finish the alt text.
1:20
